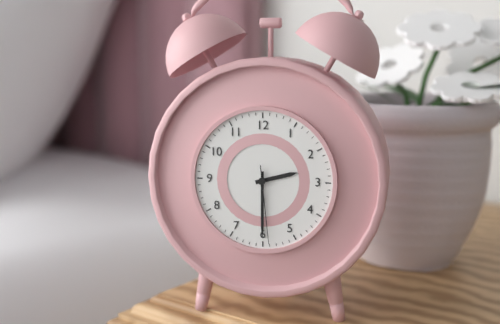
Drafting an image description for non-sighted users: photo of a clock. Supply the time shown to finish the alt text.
2:30:29
